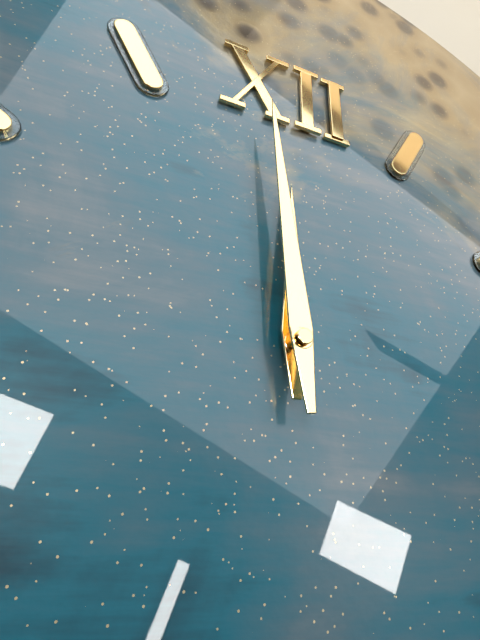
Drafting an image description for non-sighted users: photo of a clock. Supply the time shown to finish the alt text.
11:59
